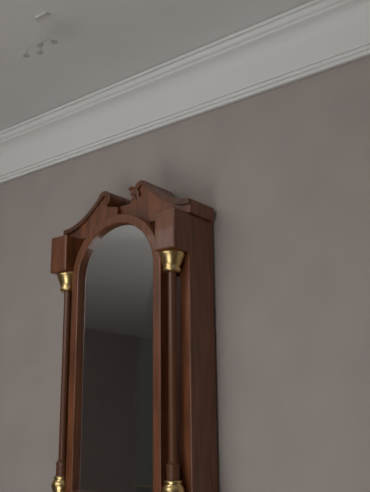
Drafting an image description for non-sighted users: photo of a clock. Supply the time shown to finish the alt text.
12:25
